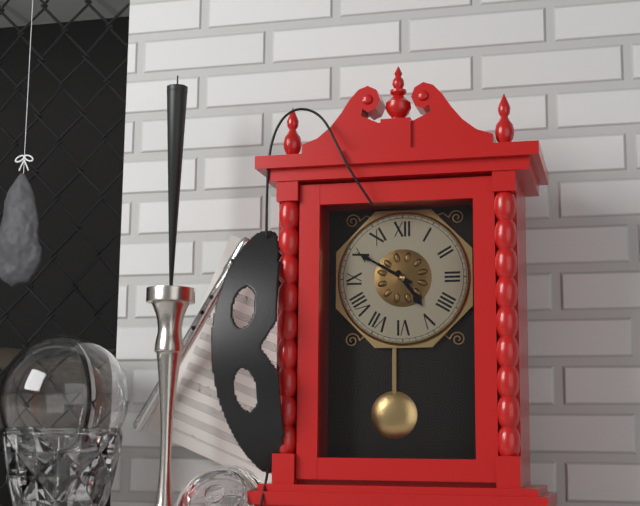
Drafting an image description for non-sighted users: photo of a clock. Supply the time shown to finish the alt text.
4:50
